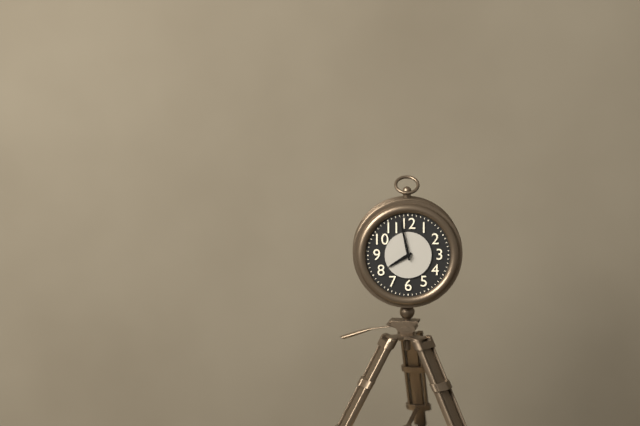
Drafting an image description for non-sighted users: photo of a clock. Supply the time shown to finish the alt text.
7:58
